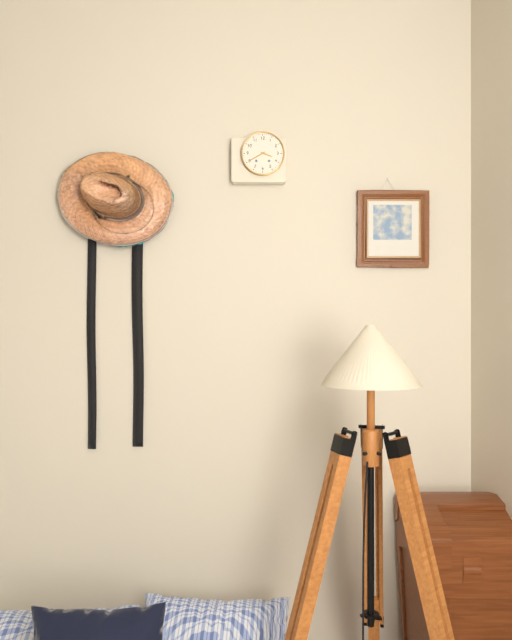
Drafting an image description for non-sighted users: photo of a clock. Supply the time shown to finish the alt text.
3:40
